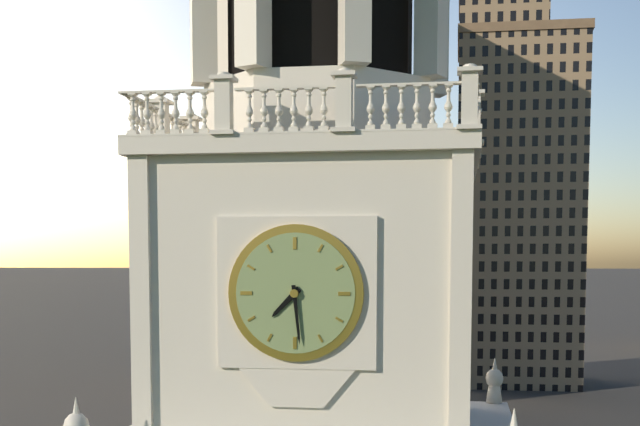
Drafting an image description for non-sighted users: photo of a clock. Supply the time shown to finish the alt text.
7:29
